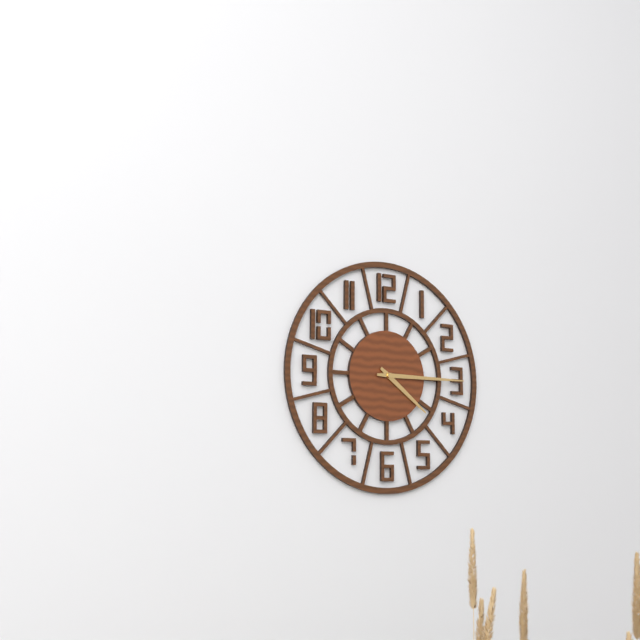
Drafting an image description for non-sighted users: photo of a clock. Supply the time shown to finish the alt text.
4:15
